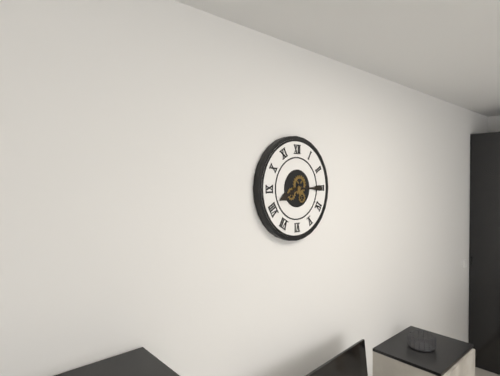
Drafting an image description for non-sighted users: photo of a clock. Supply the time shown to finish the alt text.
8:15
